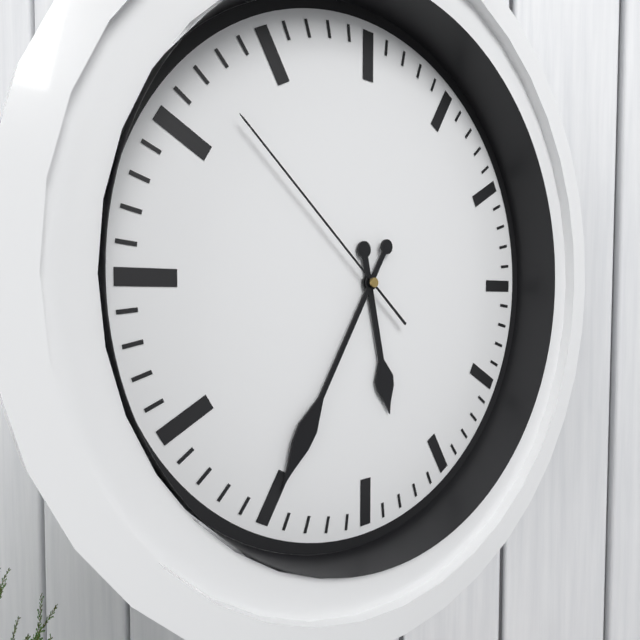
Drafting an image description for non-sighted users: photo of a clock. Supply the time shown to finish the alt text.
5:35:52
